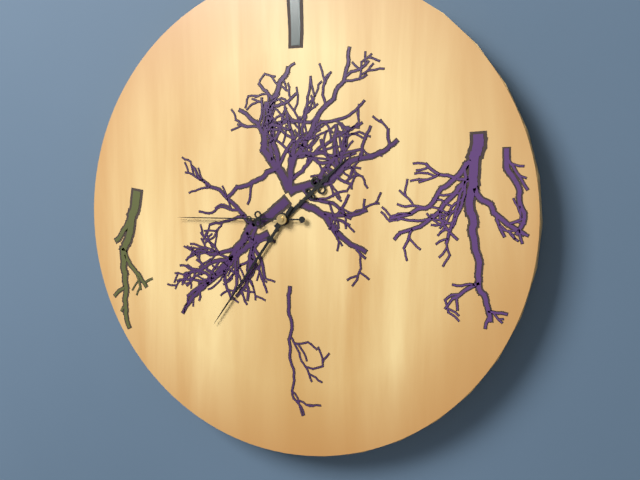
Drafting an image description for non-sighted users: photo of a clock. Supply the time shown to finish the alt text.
1:36:45
